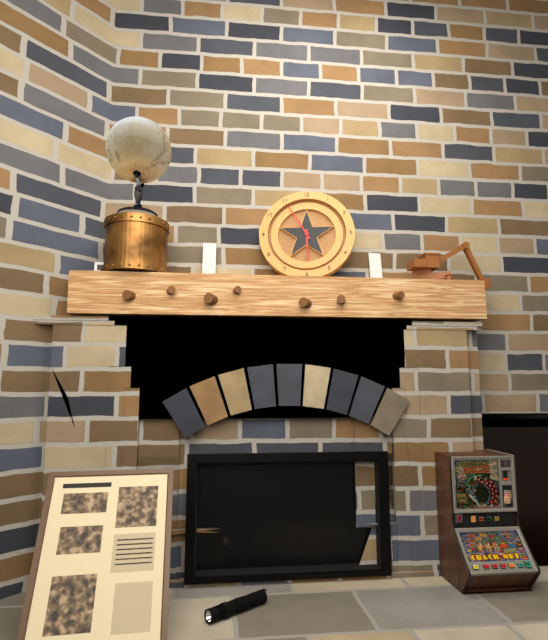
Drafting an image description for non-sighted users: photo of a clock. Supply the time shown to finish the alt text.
5:55
